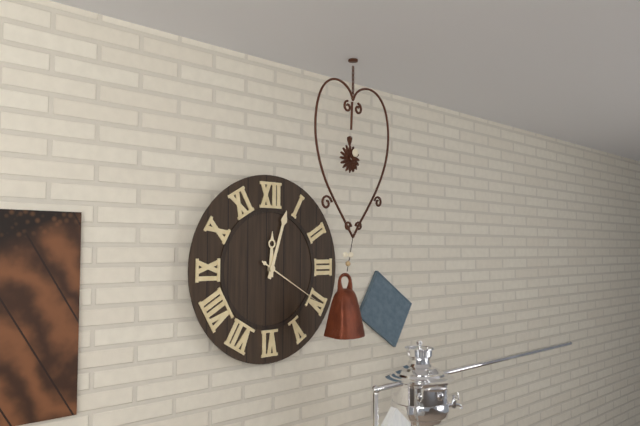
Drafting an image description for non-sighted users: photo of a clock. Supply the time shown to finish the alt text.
12:03:20
